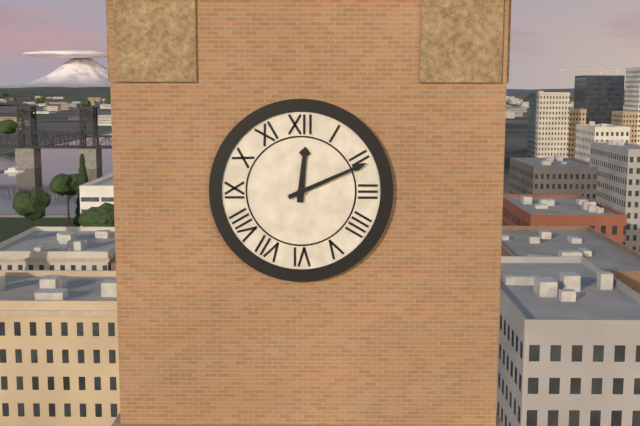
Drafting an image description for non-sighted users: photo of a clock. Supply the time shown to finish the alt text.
12:11
